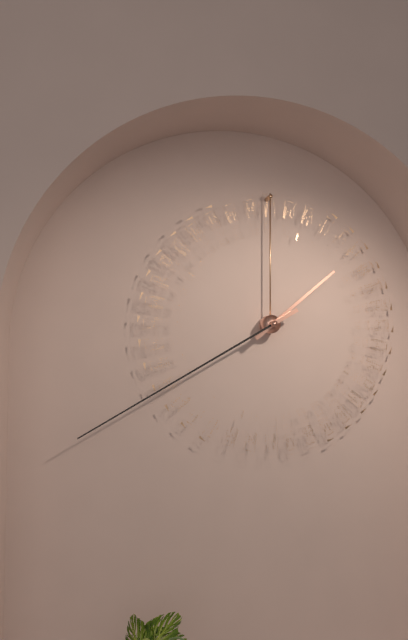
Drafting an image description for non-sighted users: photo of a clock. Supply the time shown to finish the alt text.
1:40
